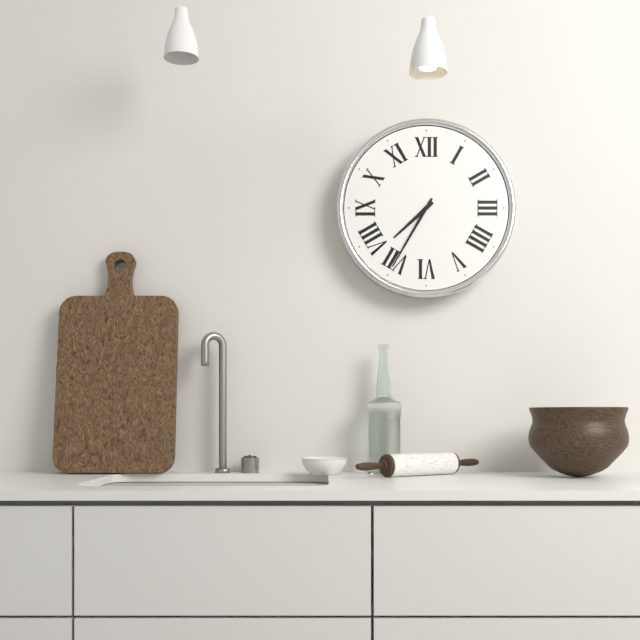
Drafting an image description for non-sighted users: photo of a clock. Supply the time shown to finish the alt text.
7:35
